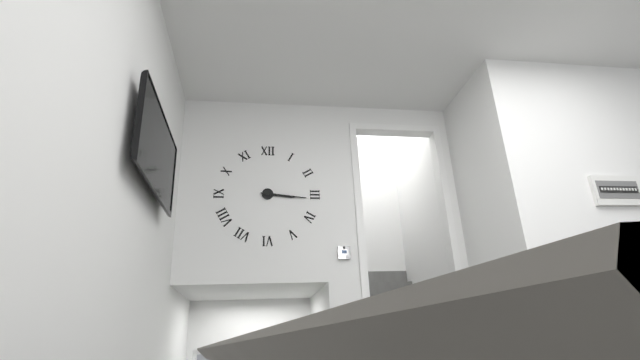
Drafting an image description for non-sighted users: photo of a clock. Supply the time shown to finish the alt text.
3:16
